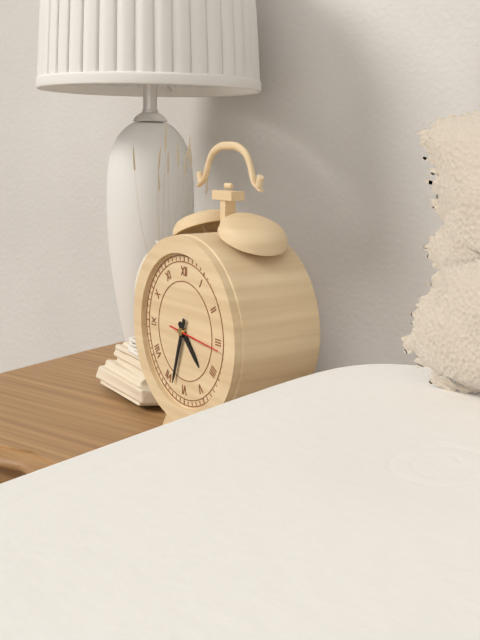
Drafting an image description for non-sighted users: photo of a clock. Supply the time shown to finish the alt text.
4:33
